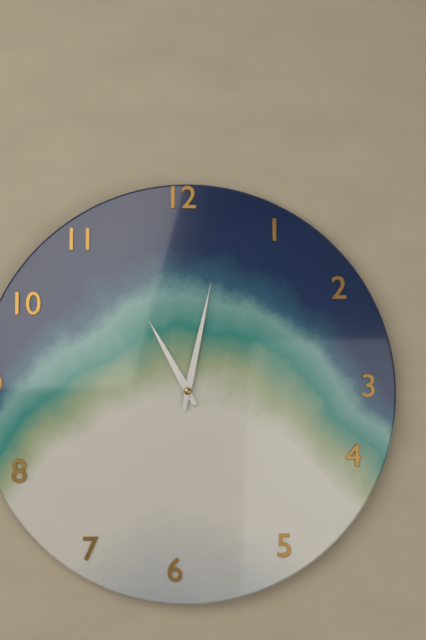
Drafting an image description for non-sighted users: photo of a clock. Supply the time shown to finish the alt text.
11:02
